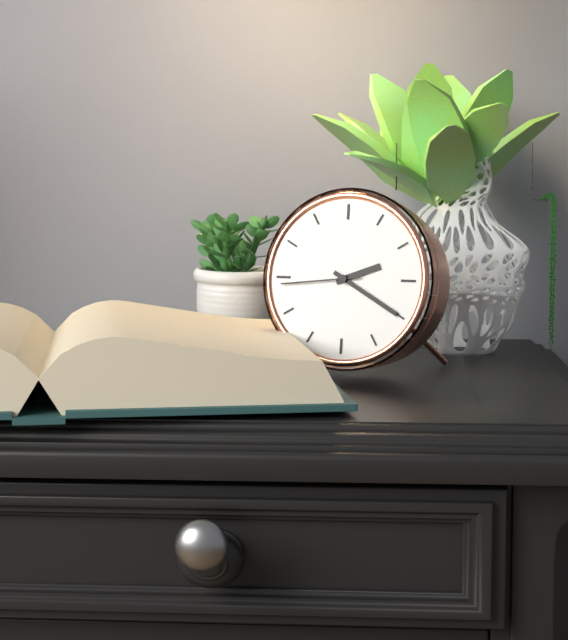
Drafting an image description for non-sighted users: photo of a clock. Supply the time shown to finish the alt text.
2:20:44
